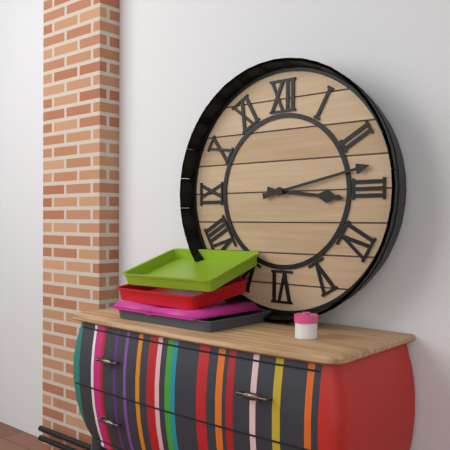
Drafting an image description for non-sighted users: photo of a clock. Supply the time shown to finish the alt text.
3:13
